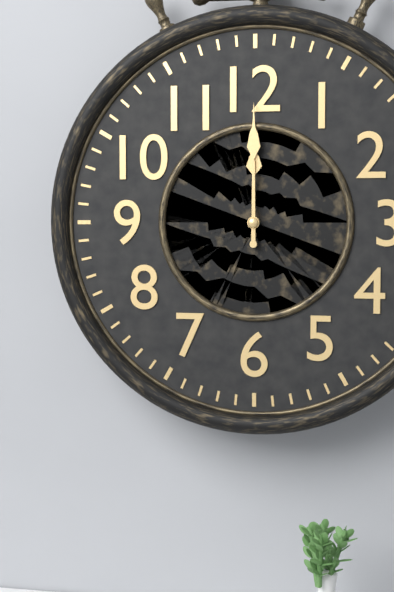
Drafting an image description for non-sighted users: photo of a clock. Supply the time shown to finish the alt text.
12:00
